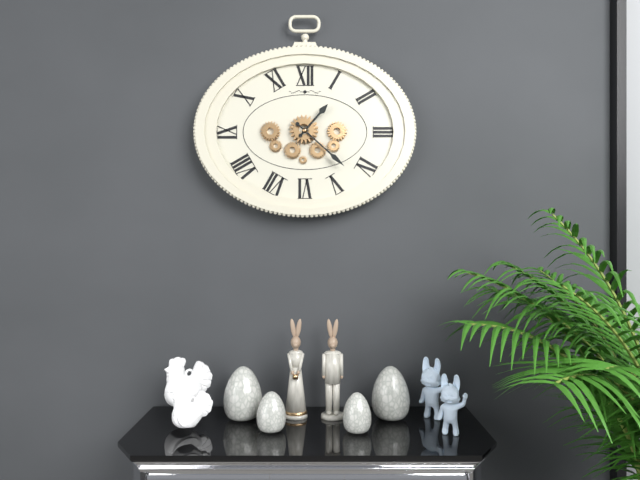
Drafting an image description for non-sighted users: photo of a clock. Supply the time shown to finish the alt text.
1:22
